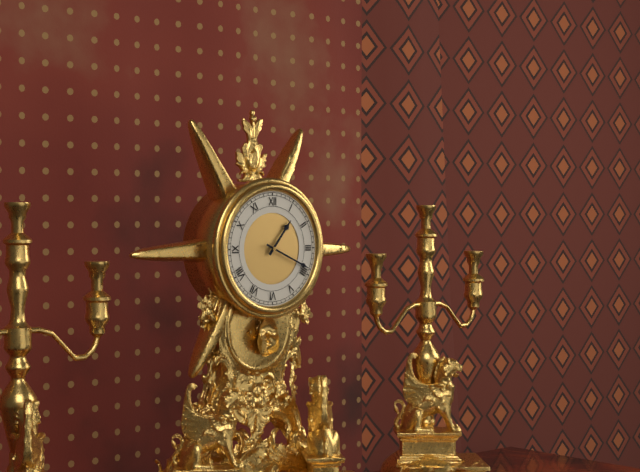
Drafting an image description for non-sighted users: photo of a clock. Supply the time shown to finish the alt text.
1:19
